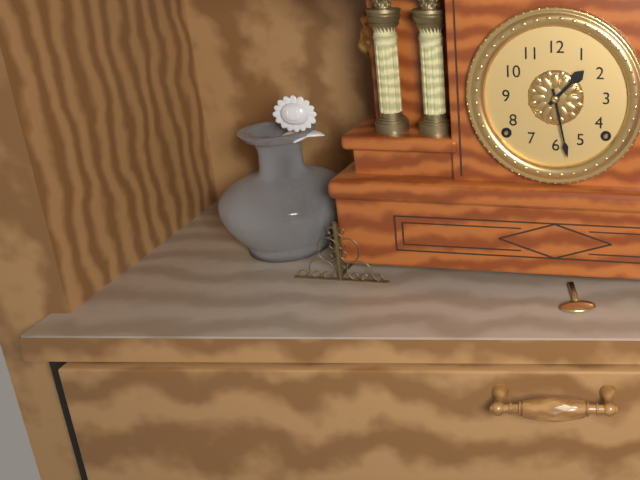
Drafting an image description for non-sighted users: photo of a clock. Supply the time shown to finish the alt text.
1:28
